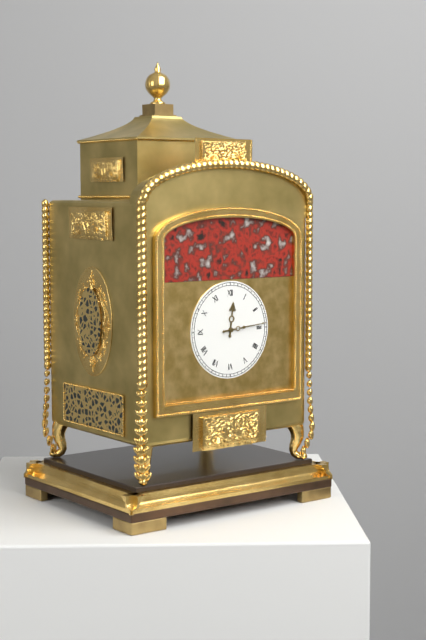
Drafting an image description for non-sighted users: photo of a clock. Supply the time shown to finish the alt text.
12:14
